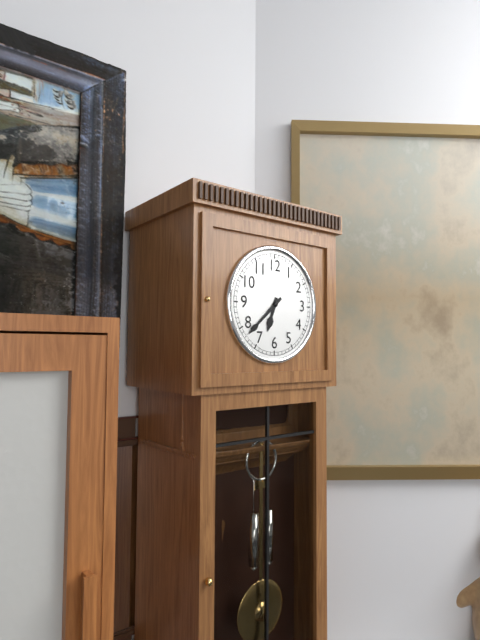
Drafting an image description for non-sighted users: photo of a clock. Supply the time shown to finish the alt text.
6:38
